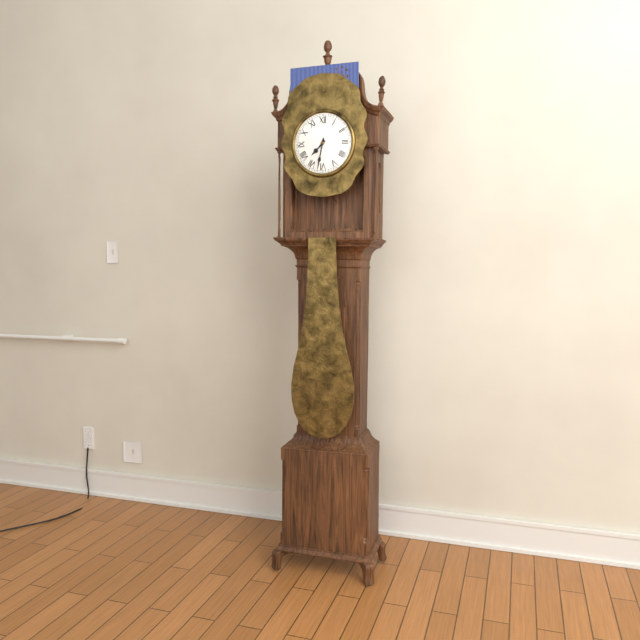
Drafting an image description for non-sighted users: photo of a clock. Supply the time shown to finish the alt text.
7:32
